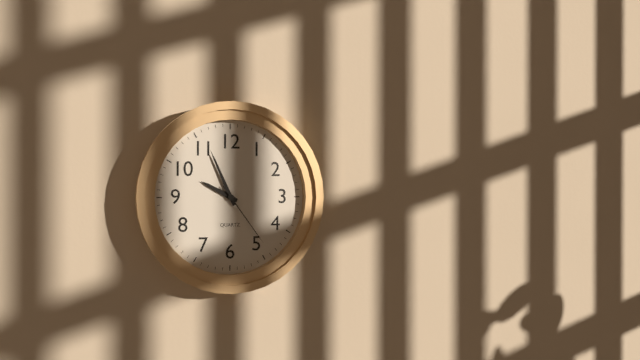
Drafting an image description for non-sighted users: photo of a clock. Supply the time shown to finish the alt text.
9:56:24
